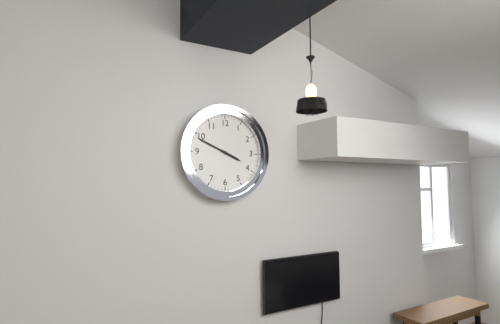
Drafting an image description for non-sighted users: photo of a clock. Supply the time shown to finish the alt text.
3:49
